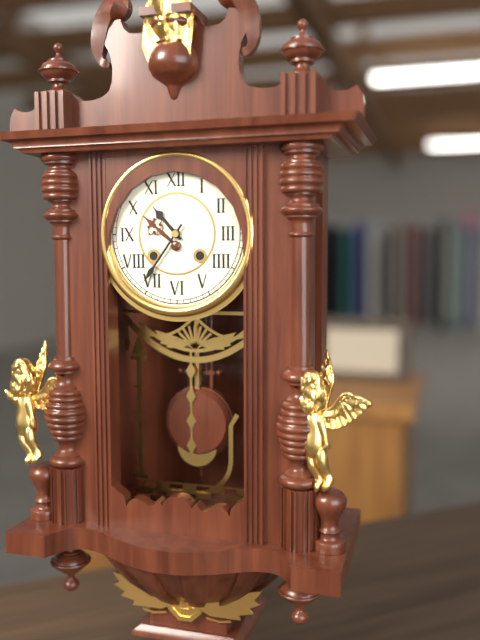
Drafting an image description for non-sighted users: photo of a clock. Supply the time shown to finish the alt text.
10:36
